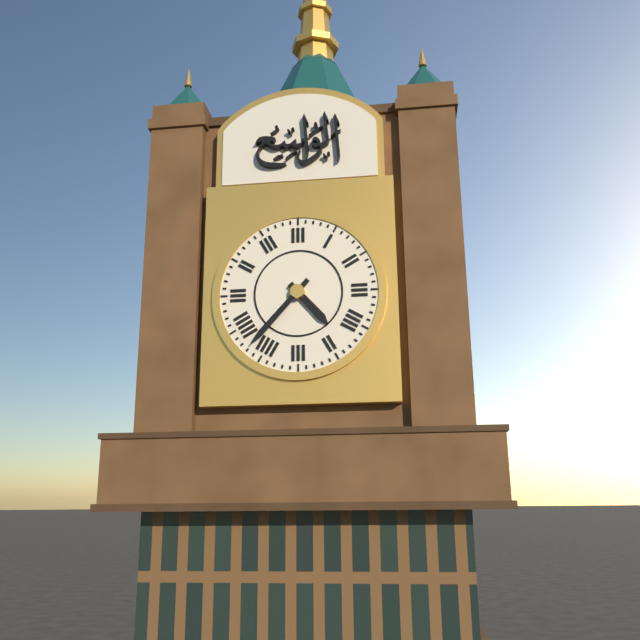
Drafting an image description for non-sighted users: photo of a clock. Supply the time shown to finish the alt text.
4:37
